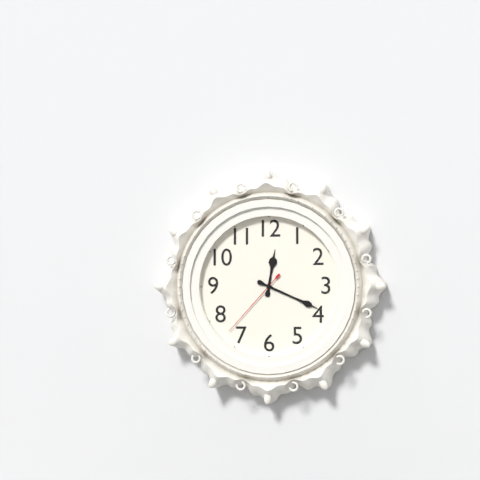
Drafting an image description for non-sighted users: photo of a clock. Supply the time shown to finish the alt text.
12:19:37
